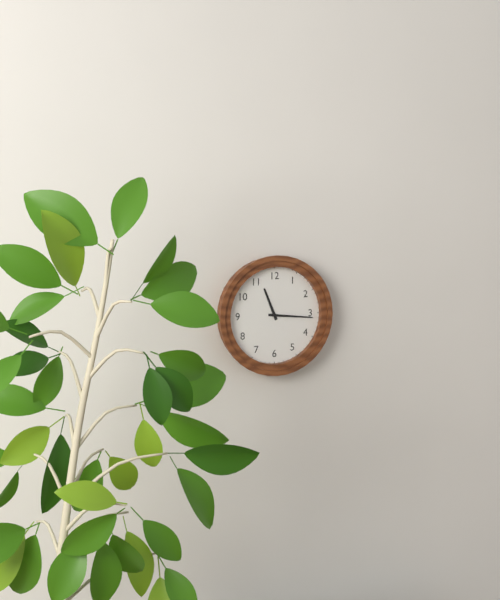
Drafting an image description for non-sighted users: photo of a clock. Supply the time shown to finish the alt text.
11:16
